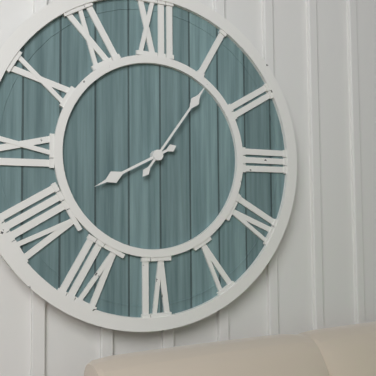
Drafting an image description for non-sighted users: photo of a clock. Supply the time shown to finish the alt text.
8:06
